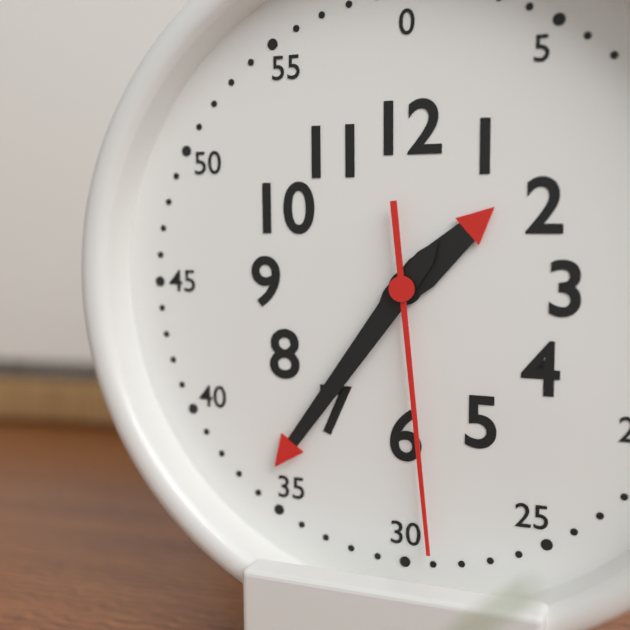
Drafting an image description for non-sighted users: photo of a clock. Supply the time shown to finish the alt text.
1:36:29
